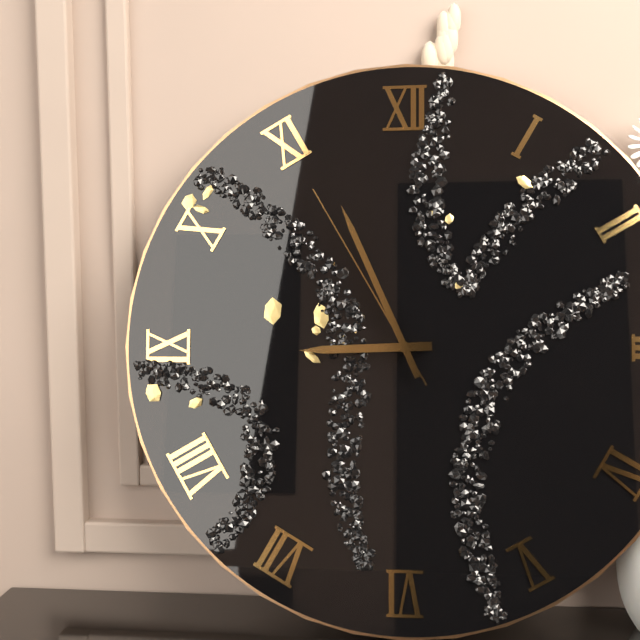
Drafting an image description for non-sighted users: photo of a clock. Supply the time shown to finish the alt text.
8:56:55
